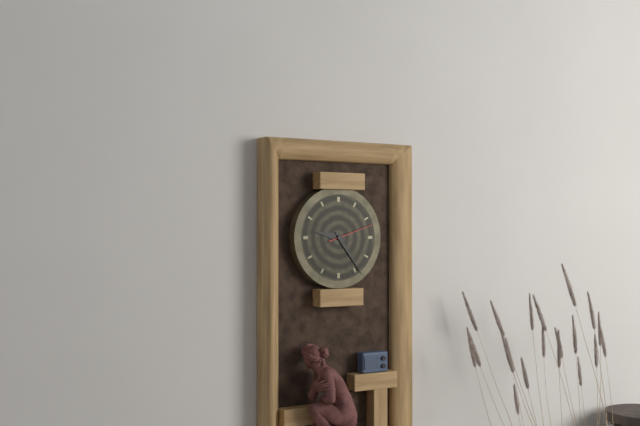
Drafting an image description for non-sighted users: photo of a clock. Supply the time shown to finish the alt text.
9:24
